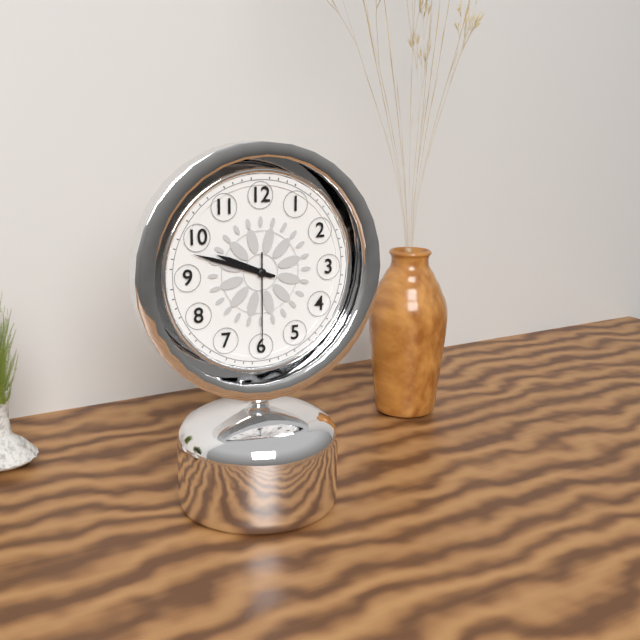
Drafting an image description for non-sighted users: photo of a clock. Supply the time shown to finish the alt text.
9:48:30
